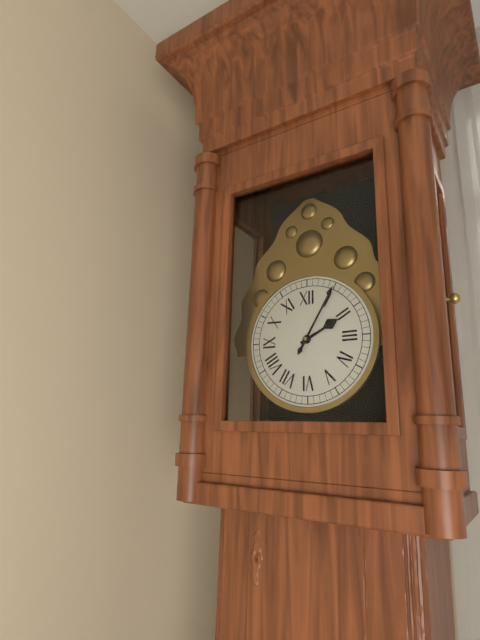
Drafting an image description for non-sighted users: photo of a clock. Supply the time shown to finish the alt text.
2:05
